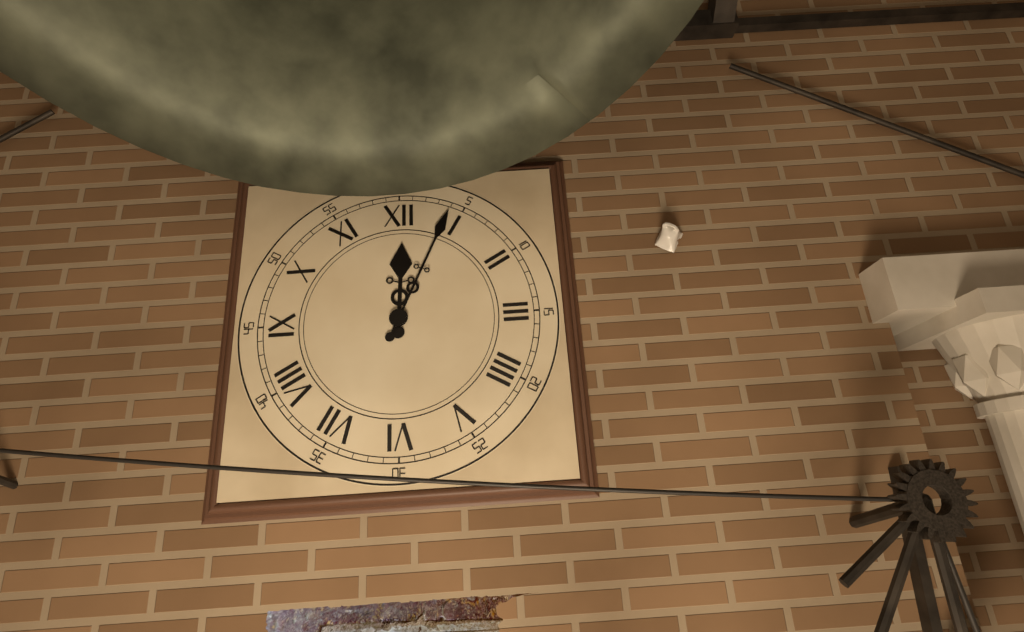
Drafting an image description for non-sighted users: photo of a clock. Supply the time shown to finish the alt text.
12:04
